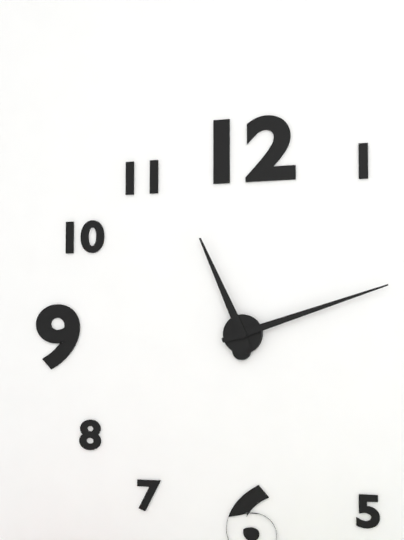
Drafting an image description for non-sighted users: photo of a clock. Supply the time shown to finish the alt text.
11:12
